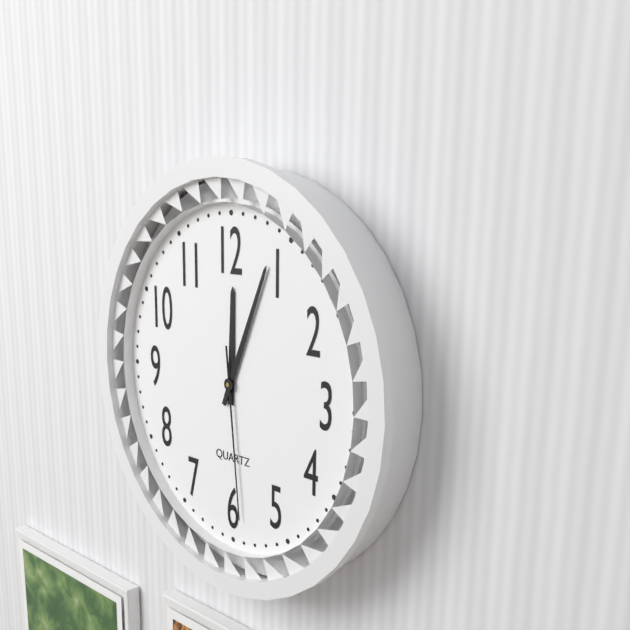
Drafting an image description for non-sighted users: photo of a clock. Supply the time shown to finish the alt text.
12:04:29
